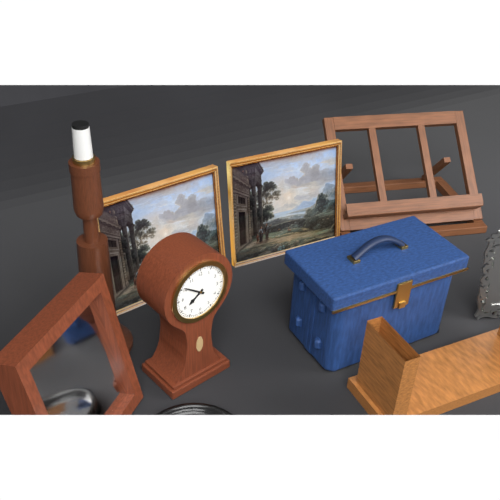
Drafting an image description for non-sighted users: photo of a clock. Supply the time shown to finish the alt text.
7:51
